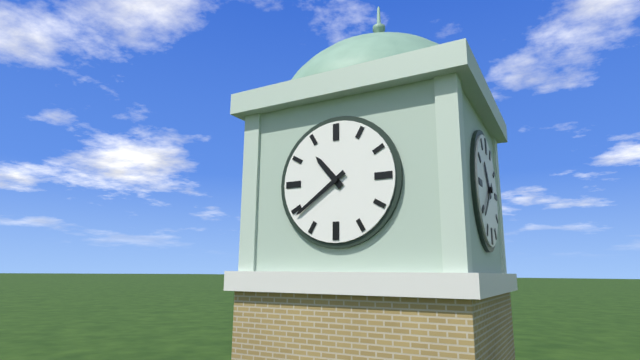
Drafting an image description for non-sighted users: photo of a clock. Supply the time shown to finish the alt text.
10:39
